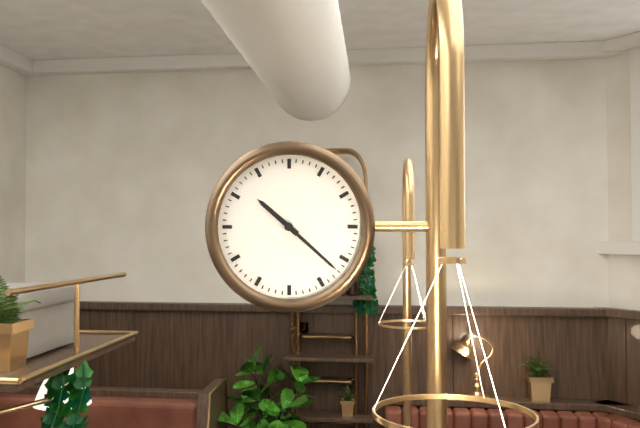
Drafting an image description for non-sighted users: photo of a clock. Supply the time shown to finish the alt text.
10:22
